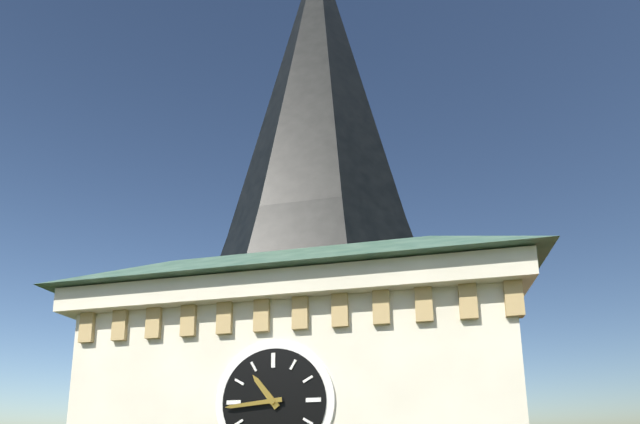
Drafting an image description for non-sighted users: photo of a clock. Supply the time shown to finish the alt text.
10:44
